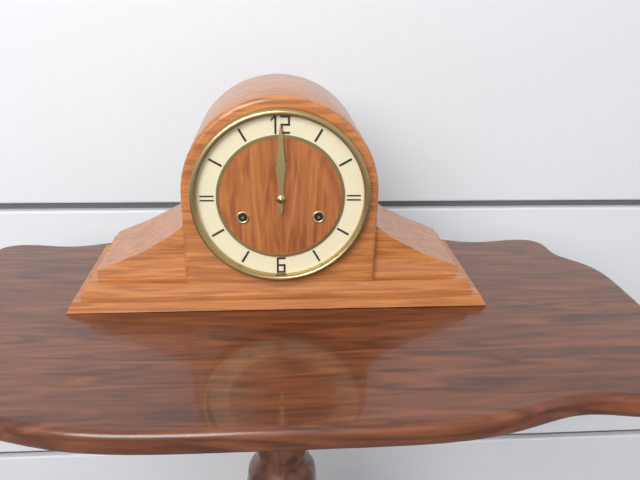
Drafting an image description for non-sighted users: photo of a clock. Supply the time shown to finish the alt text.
12:00
